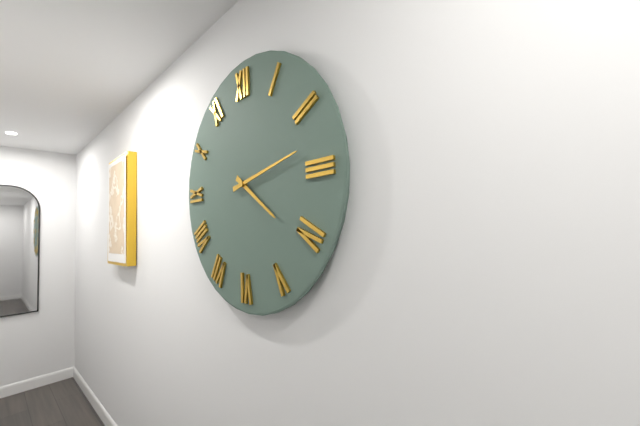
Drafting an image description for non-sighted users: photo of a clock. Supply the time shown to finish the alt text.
4:13
